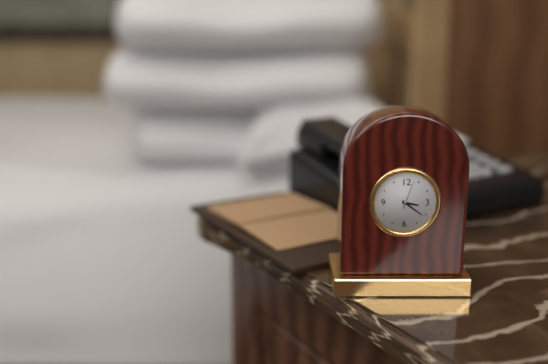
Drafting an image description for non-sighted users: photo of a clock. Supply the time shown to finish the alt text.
3:21
